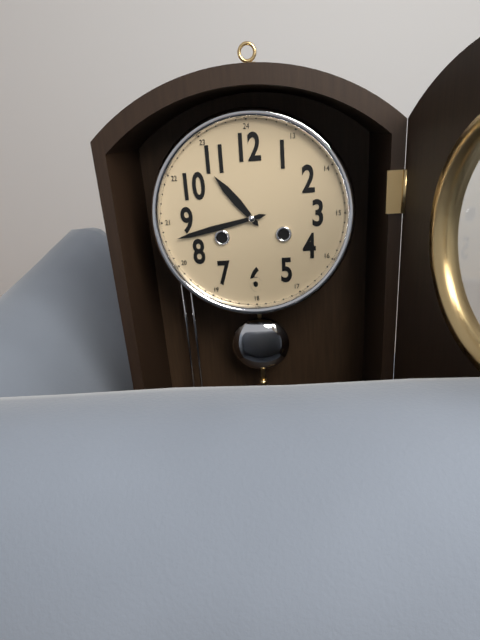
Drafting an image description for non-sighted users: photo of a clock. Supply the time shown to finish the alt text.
10:43
